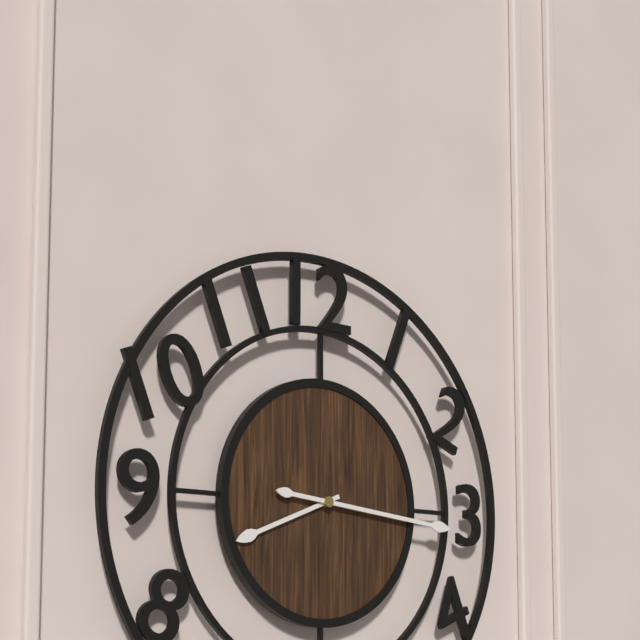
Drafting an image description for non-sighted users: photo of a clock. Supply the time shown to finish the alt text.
8:16
